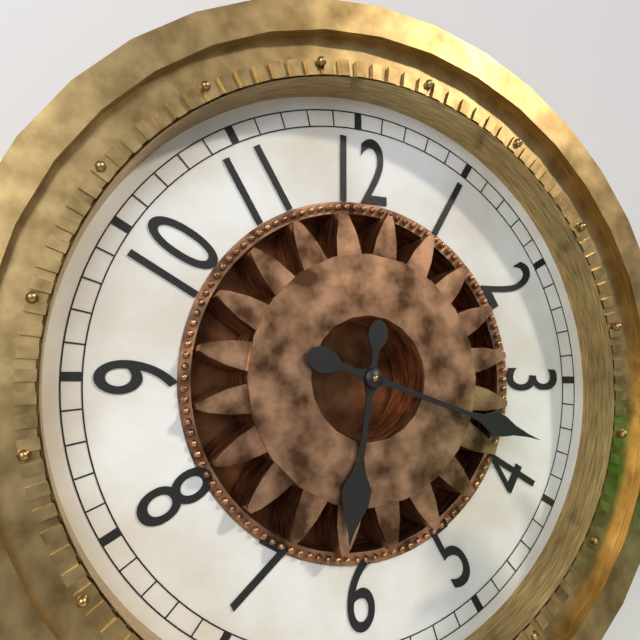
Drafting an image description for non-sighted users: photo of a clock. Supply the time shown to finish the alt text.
6:18
